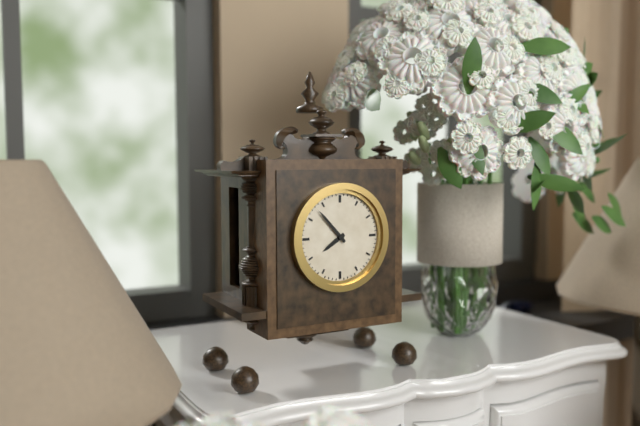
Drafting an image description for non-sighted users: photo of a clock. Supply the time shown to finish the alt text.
7:53
